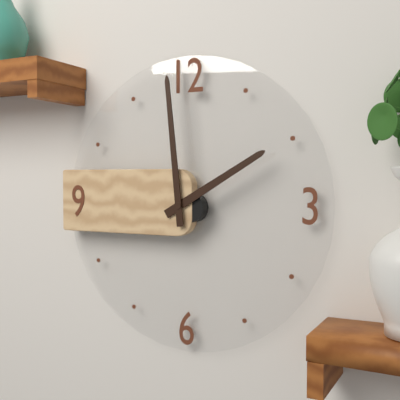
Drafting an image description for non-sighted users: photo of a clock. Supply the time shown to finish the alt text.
1:59
